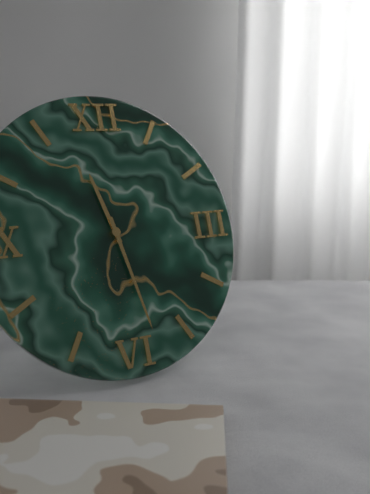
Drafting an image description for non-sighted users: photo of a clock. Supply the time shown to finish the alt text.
11:28
